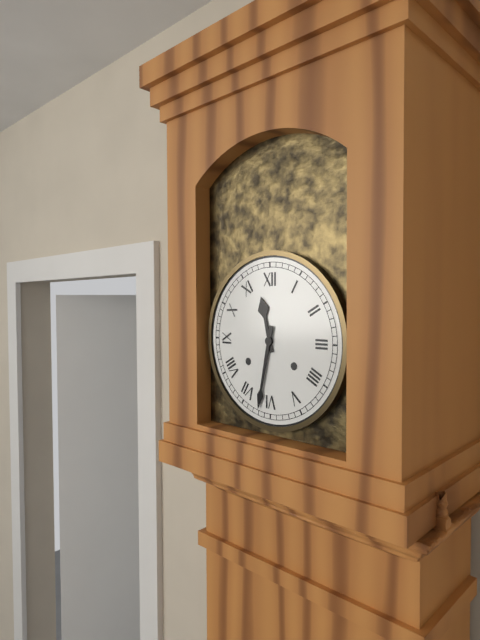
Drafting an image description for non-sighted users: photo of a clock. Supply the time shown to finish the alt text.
11:32
